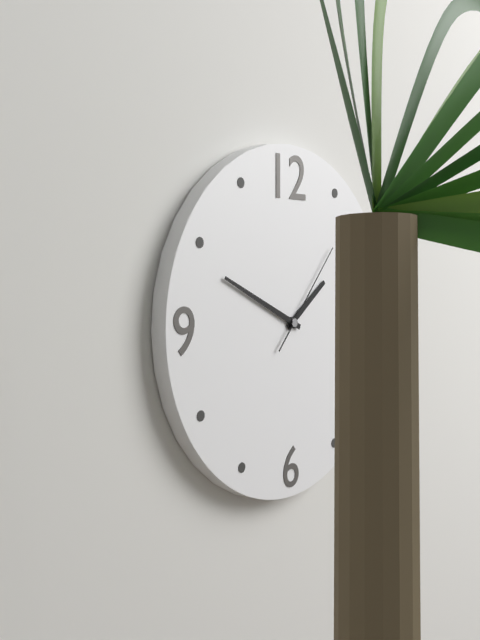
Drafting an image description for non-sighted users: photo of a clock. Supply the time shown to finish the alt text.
1:49:07
